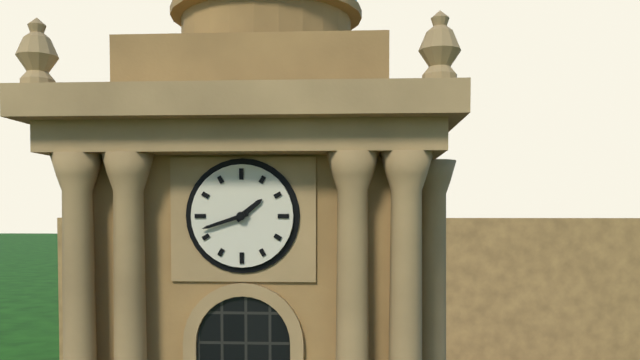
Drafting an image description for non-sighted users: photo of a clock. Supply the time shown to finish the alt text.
1:42
